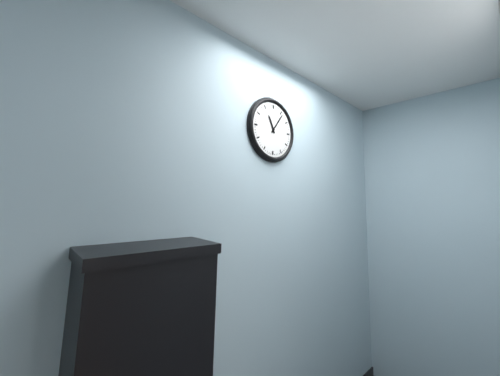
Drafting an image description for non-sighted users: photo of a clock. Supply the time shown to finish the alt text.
11:06
